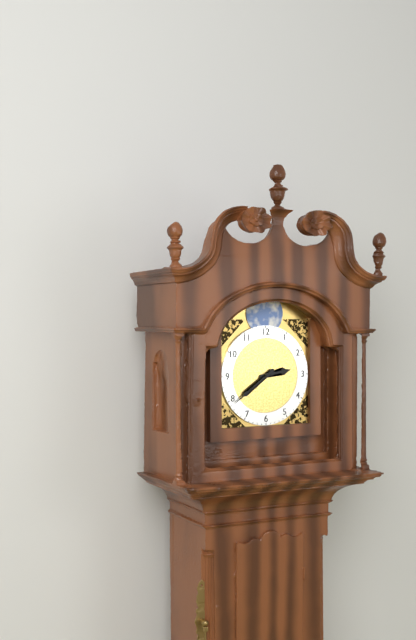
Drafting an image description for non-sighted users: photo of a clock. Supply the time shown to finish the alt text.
2:39
